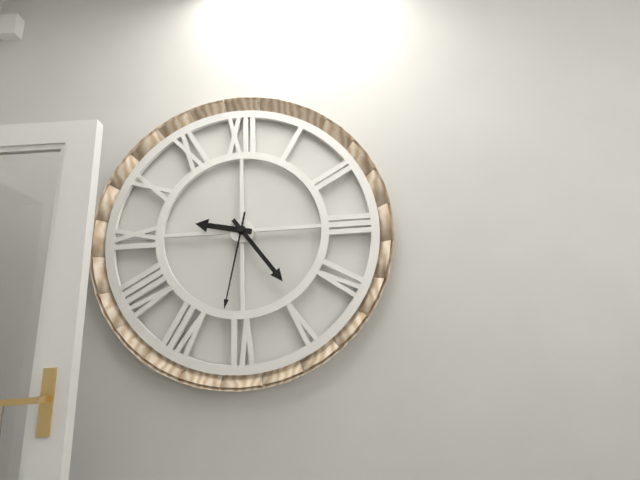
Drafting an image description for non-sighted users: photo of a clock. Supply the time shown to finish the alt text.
9:24:32
